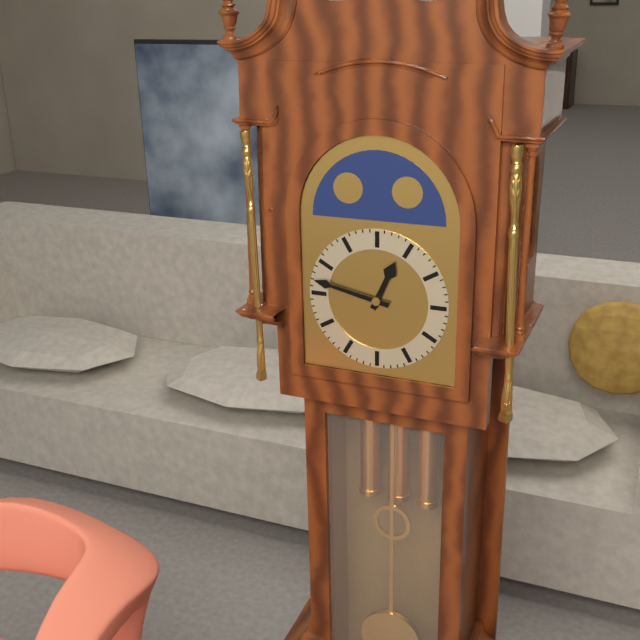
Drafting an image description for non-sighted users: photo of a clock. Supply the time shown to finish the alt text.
12:47
